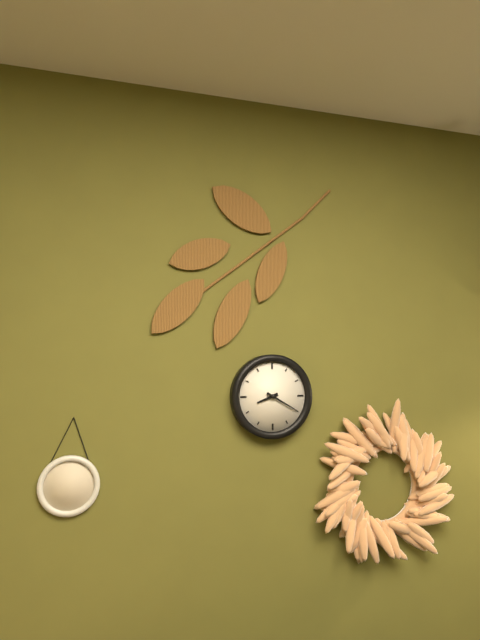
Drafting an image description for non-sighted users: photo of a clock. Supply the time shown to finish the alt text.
8:20
